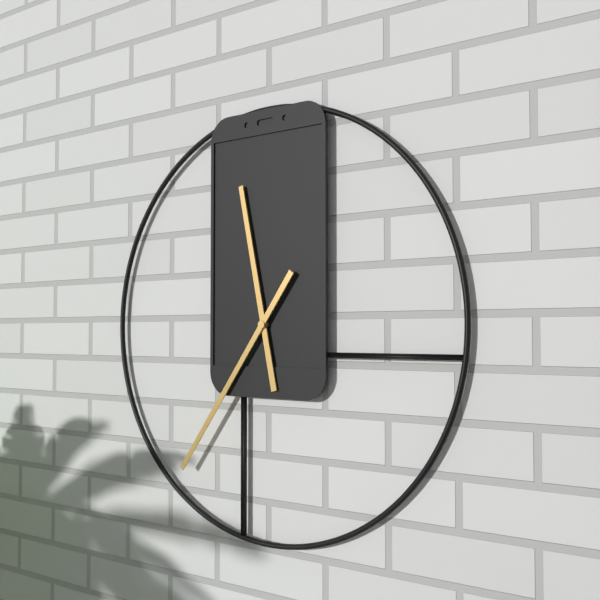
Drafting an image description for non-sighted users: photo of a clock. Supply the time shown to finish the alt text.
11:36
